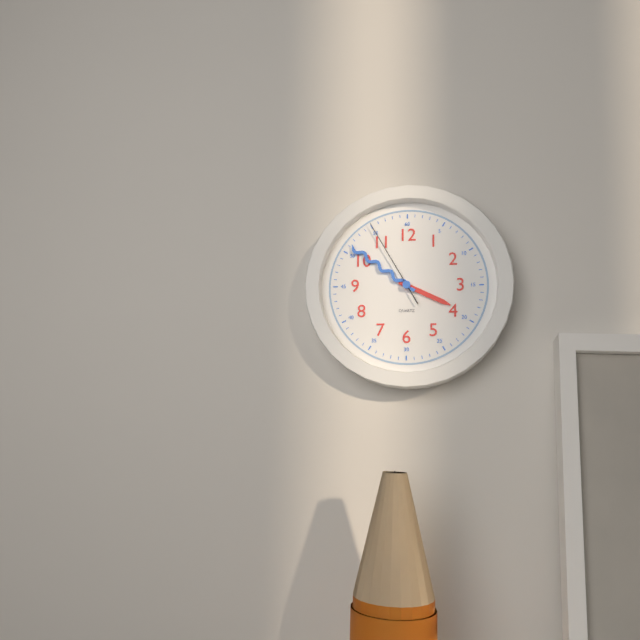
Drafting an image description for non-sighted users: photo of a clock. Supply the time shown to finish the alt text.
3:51:55
